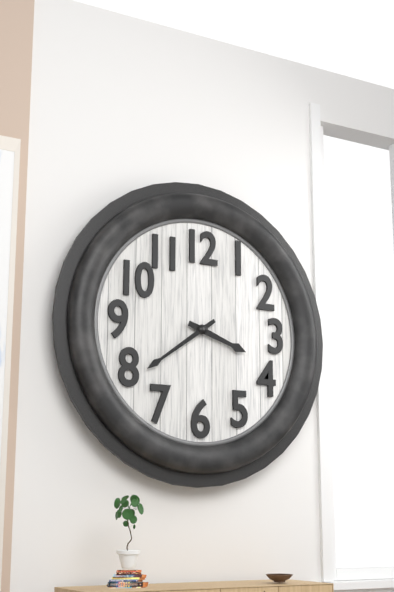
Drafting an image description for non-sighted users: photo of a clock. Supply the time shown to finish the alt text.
3:39
